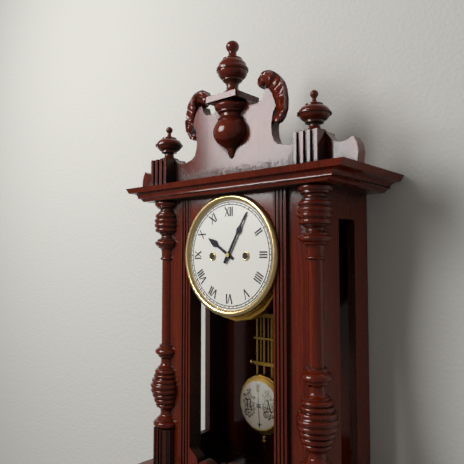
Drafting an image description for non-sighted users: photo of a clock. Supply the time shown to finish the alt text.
10:05
